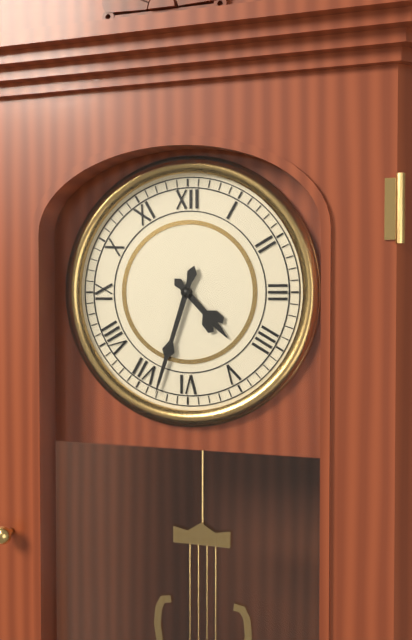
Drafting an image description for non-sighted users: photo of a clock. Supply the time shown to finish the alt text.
4:33
